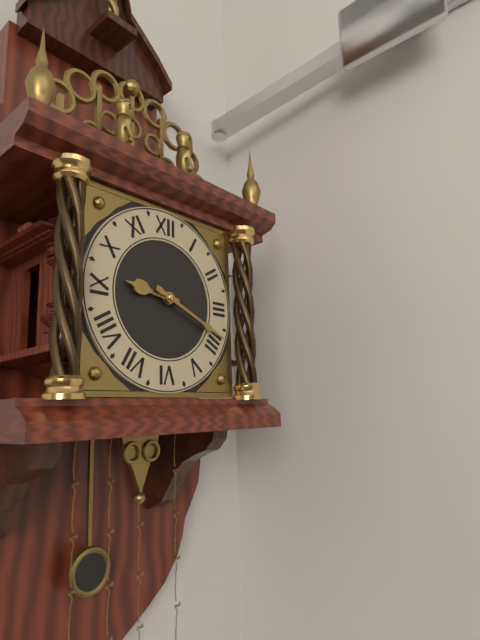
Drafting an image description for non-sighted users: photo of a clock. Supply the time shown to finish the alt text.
9:19
